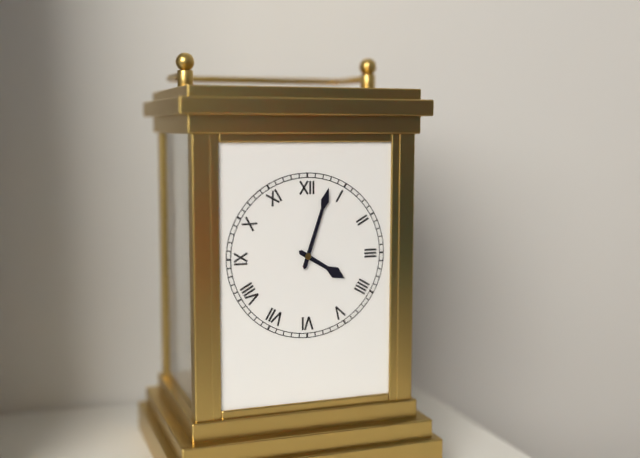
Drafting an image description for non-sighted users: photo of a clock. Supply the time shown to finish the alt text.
4:03
